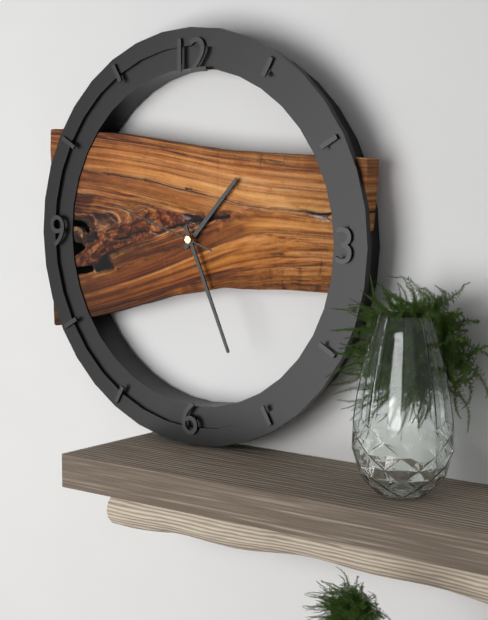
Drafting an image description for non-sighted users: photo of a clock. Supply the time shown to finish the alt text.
1:26:48
